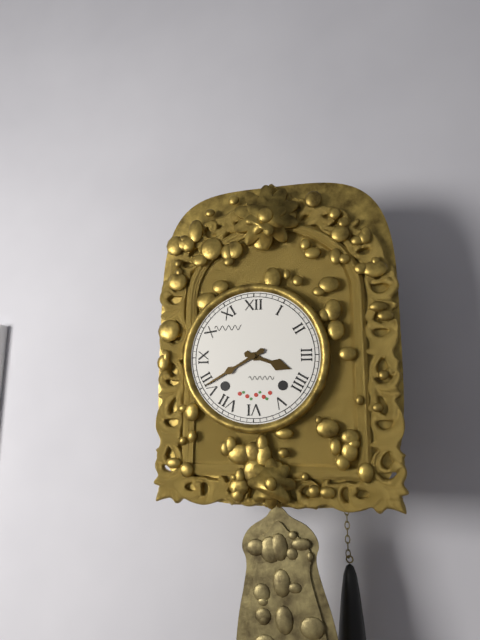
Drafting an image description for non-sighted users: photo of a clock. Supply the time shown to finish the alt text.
3:40
